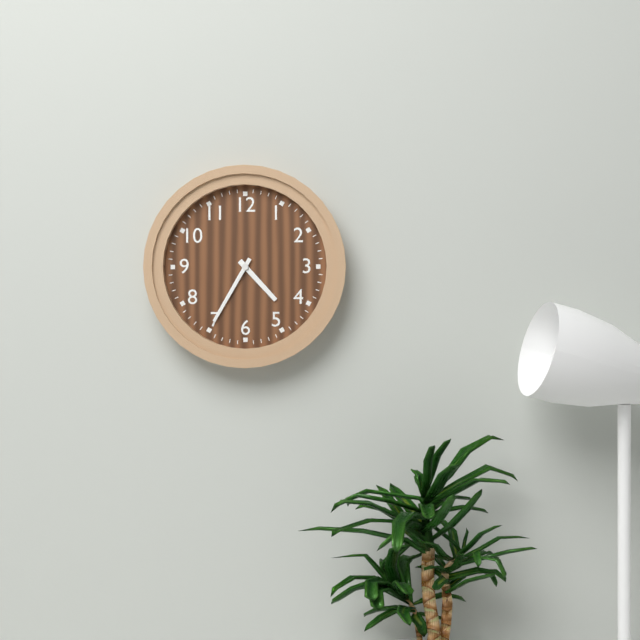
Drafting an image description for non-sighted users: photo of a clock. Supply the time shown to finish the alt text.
4:35
